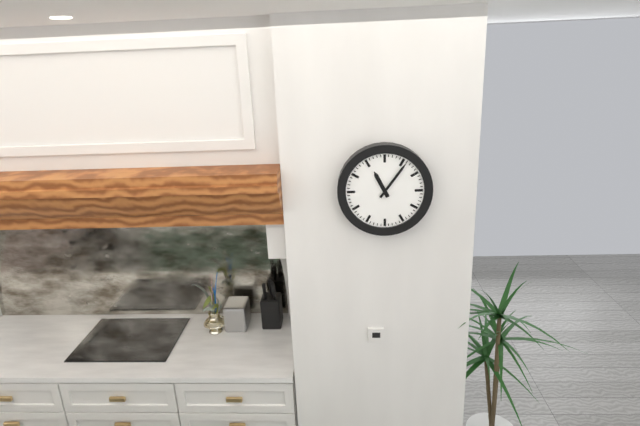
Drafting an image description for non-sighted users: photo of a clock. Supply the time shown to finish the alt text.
11:06
